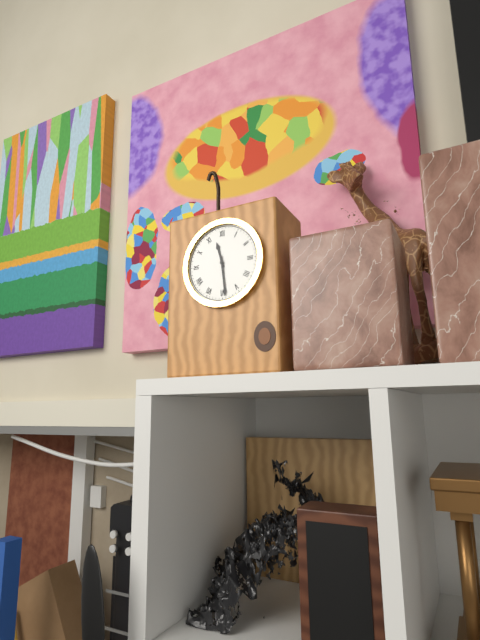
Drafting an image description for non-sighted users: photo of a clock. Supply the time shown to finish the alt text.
11:29
